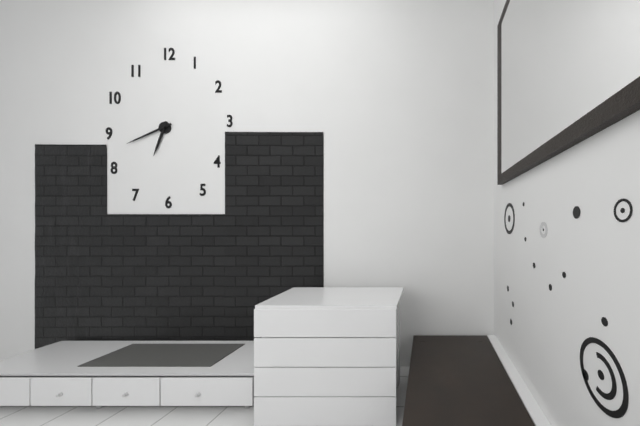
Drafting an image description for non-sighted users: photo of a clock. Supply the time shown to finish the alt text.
6:41
